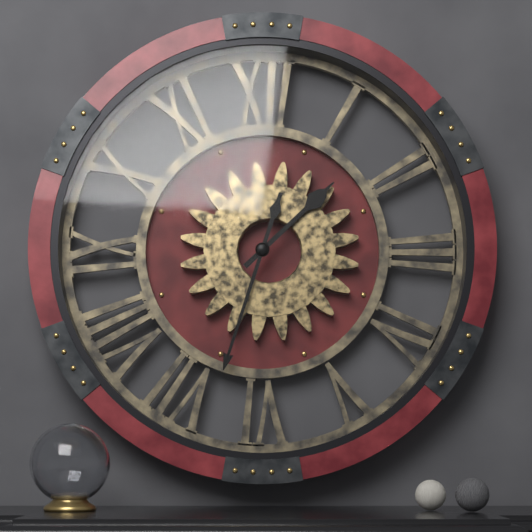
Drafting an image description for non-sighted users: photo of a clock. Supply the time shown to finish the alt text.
1:33
